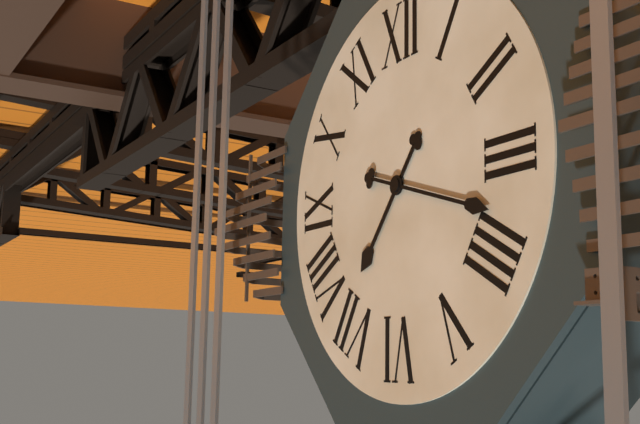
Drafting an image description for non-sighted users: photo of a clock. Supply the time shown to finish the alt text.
7:18
